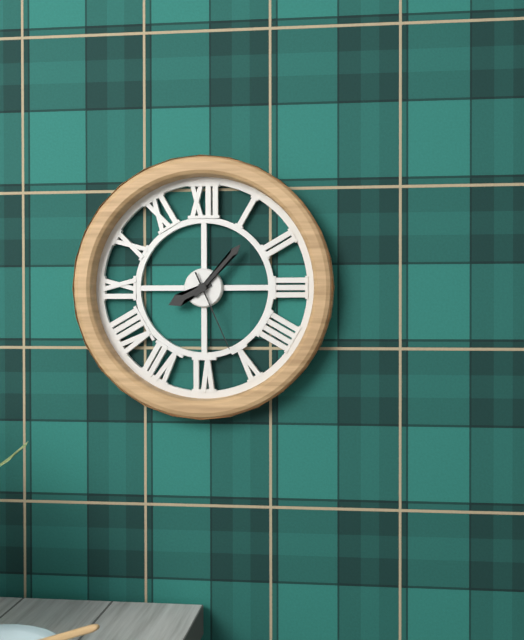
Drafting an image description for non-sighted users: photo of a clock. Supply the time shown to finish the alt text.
8:07:26
